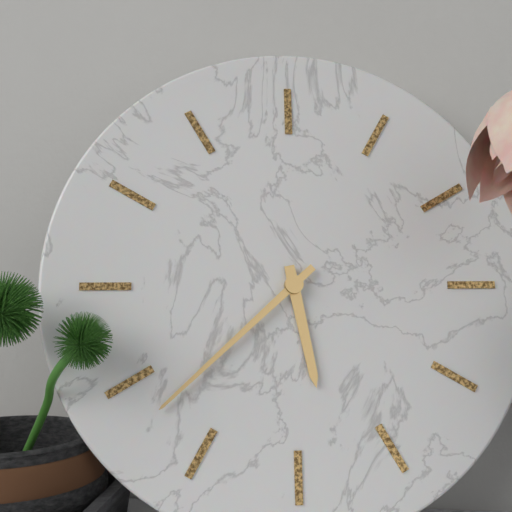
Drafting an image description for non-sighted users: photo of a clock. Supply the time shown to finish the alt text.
5:38
